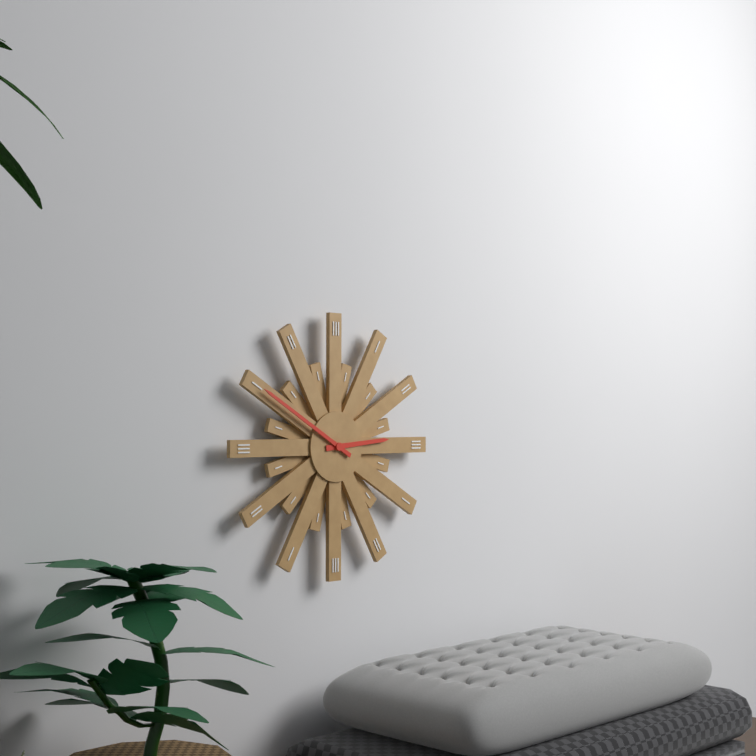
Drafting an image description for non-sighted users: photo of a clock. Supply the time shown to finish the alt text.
2:50
